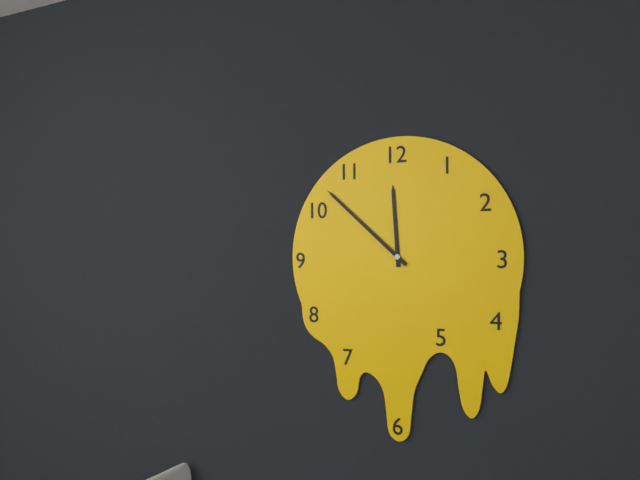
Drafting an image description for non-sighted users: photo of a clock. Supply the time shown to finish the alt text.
11:52
